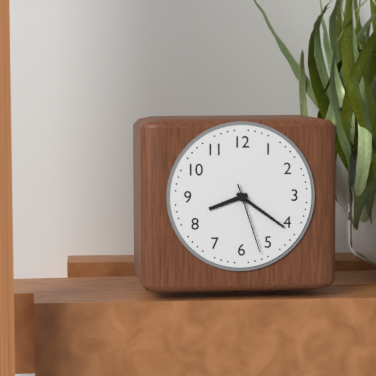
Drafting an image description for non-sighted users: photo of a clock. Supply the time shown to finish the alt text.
8:21:27
